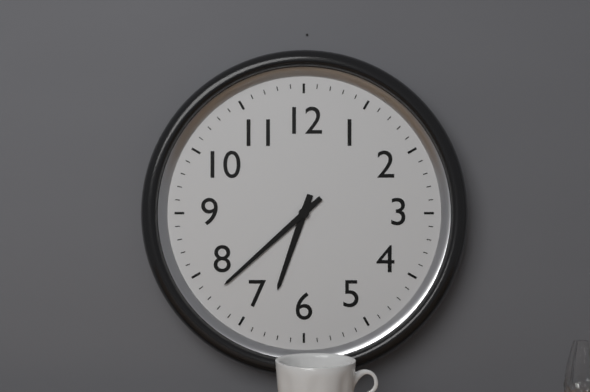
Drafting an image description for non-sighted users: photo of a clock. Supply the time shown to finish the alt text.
6:38
